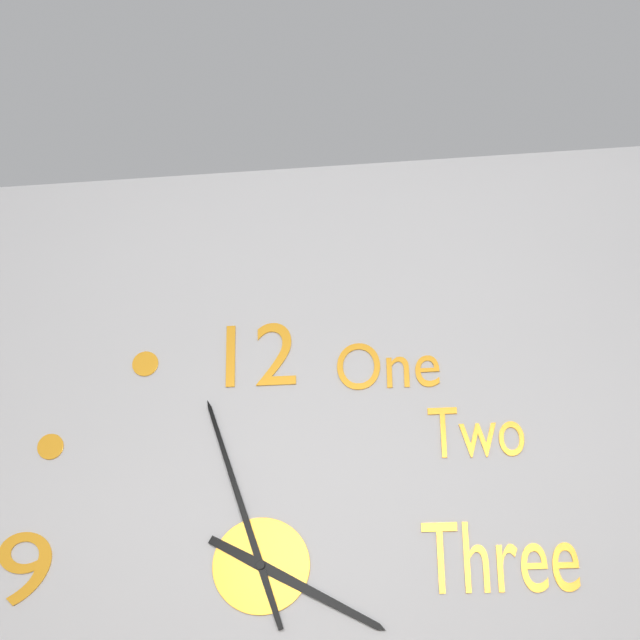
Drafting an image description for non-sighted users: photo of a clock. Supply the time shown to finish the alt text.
3:57
